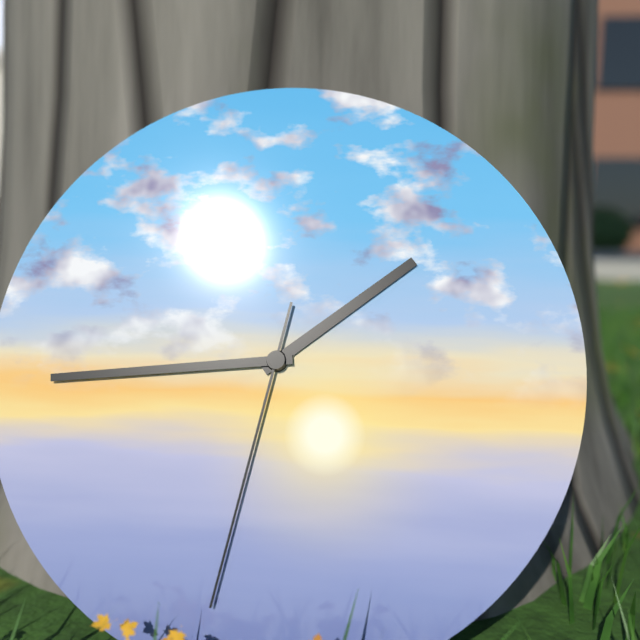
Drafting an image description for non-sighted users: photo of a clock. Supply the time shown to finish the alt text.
1:44:32
